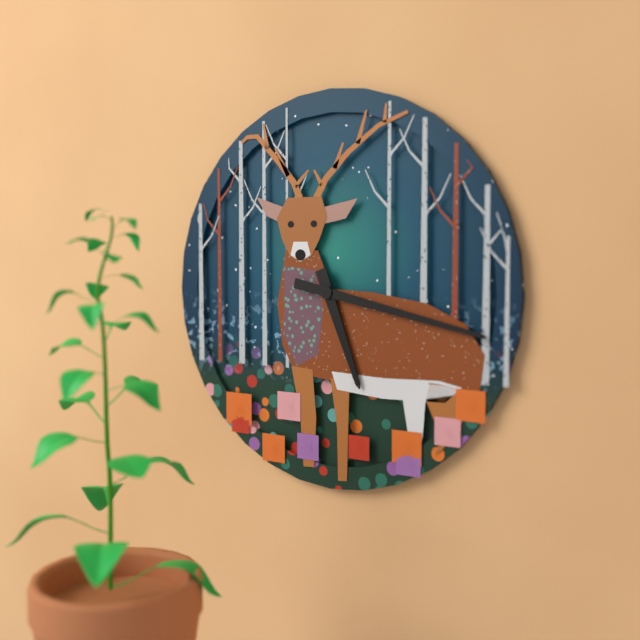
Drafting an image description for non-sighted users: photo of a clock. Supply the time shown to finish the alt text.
5:17
